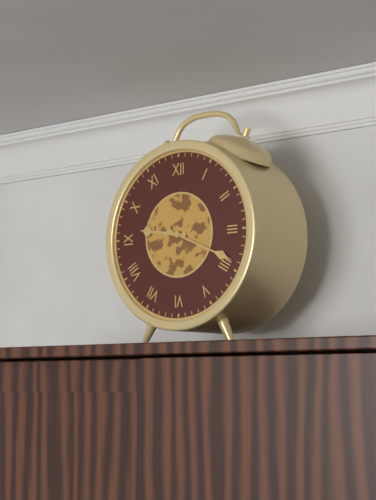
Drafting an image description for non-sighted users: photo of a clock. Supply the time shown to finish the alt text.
9:19
